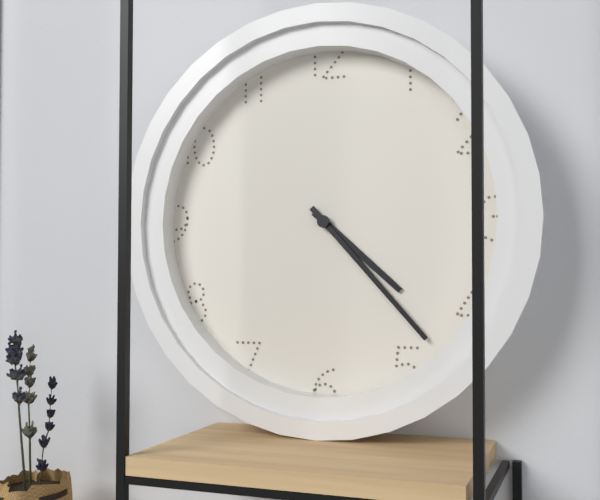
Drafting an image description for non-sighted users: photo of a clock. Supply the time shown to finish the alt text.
4:23
